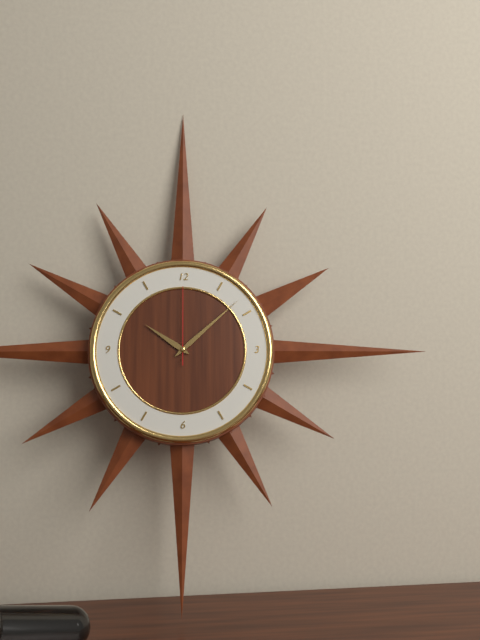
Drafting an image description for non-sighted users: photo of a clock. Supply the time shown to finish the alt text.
10:08:00
